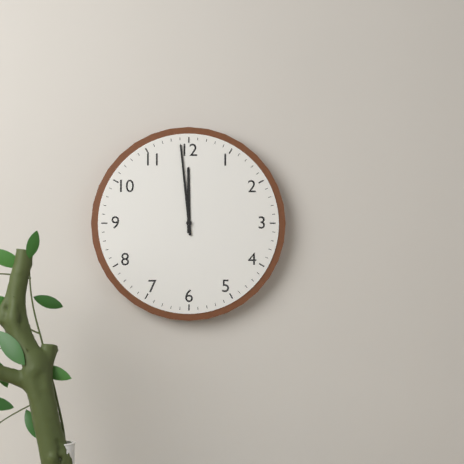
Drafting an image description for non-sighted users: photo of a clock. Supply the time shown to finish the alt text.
11:59
